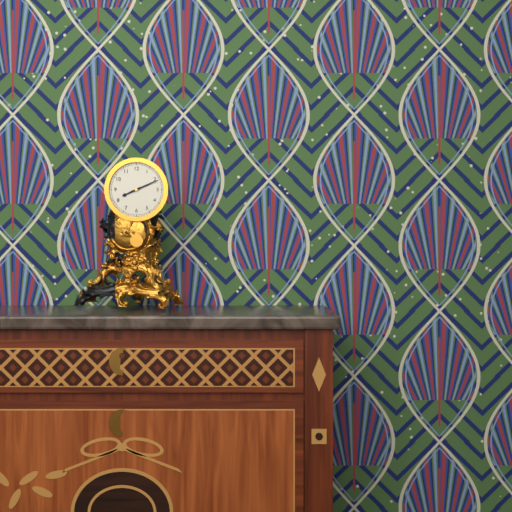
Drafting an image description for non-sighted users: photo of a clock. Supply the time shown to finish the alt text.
8:11
